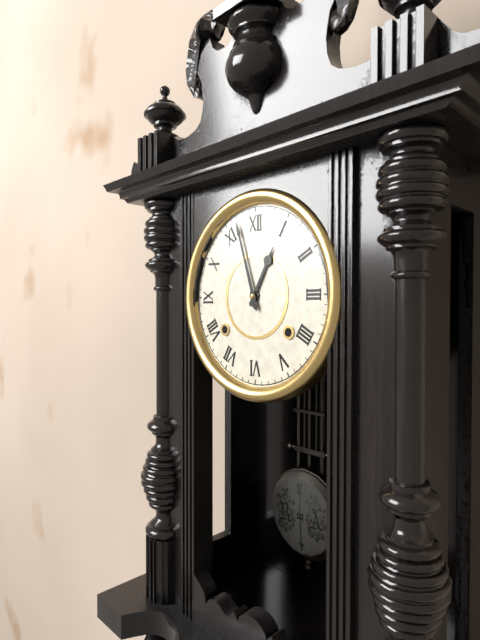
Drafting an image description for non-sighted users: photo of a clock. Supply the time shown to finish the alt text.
12:57
